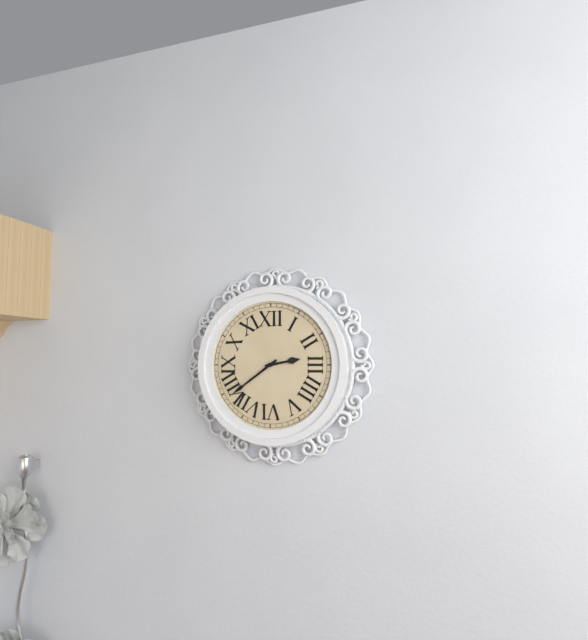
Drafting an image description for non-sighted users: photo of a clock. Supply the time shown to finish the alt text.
2:39
